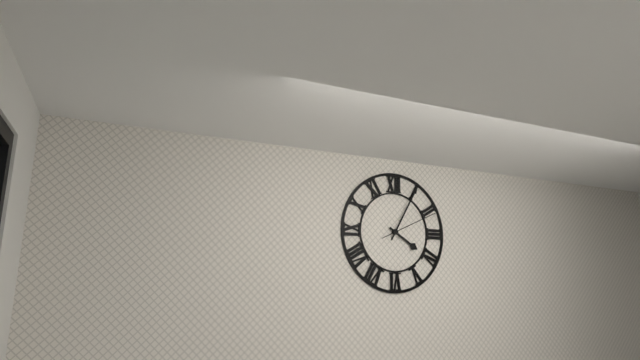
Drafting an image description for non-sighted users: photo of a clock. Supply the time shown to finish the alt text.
4:05:11
